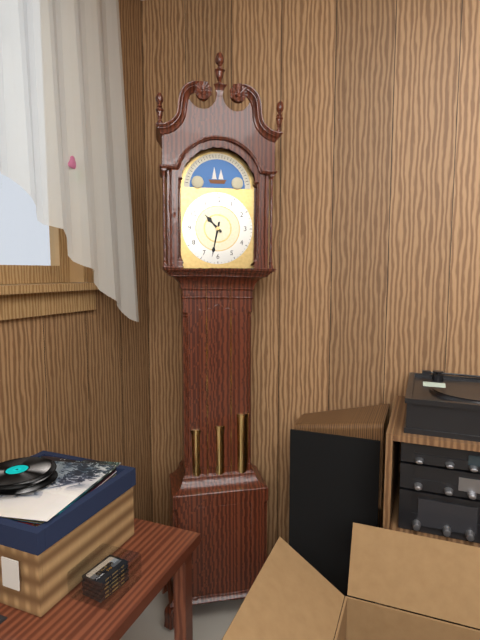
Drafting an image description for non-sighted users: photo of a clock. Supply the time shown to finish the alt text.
10:32
